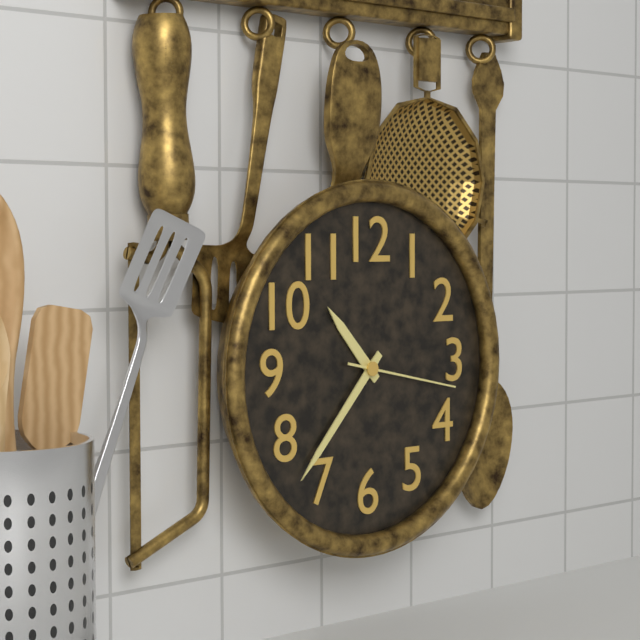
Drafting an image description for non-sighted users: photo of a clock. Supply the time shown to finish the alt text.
10:37:17
